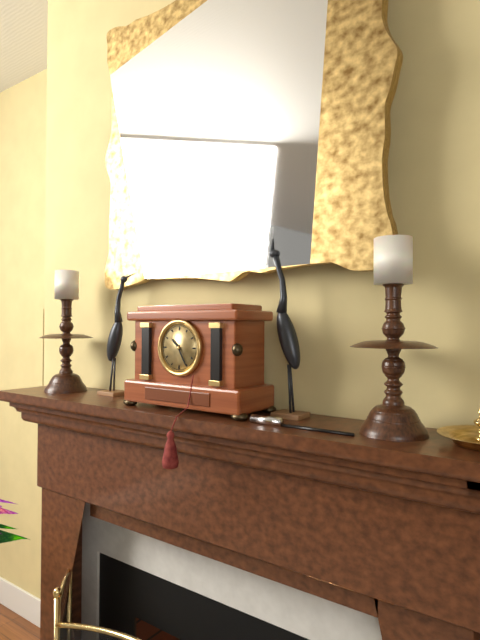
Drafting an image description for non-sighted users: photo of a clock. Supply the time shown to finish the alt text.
10:25
